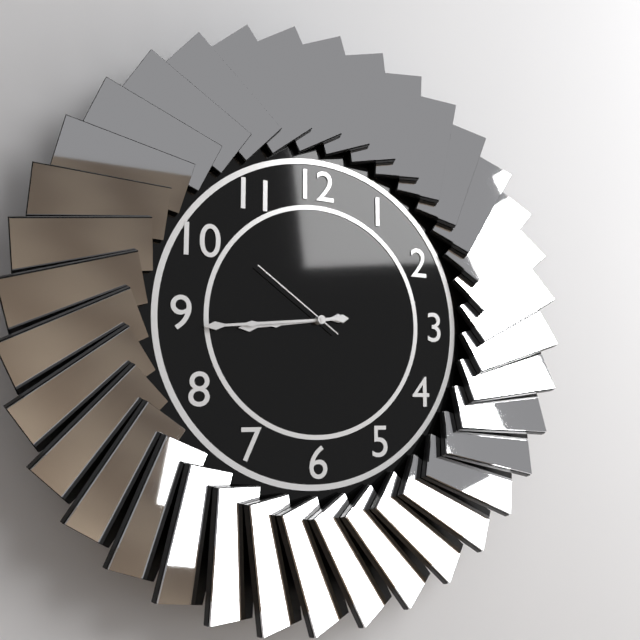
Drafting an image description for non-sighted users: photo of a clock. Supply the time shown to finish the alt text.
8:44:51
